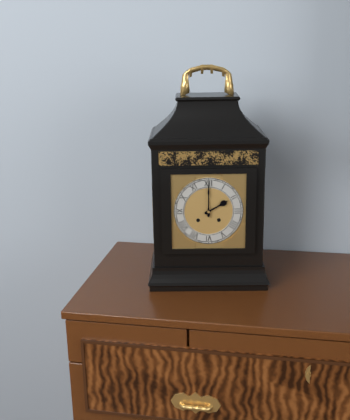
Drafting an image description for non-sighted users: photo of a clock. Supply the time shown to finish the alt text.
2:00
